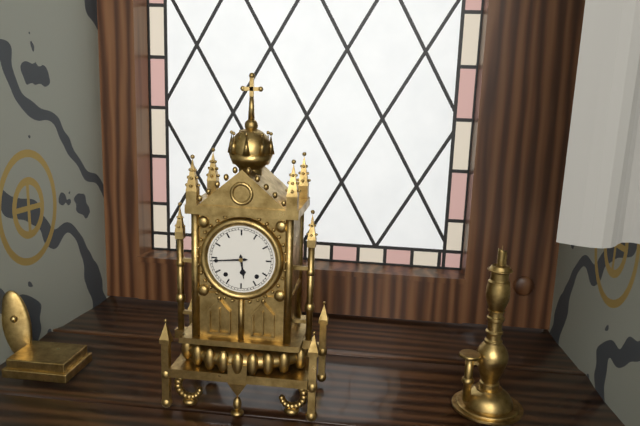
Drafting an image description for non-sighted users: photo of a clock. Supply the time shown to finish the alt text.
5:44
